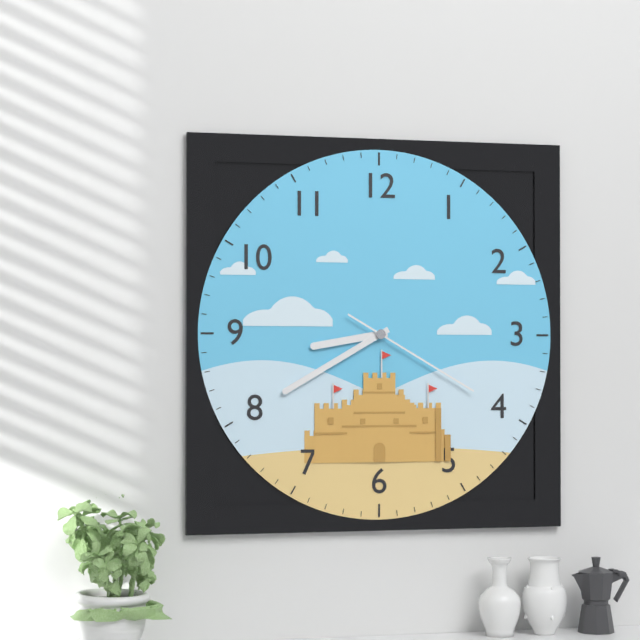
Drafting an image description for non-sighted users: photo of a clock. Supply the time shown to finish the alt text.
8:40:20
